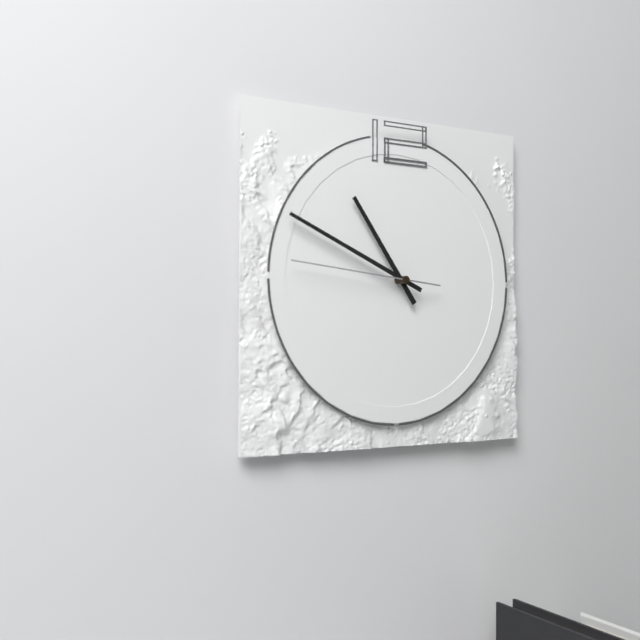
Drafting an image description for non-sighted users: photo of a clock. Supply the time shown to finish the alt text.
10:49:46
